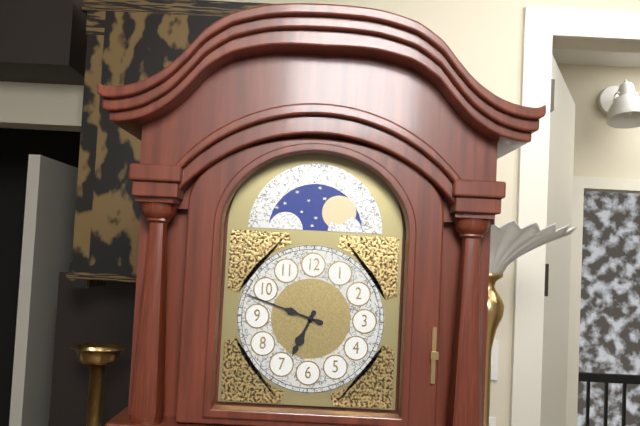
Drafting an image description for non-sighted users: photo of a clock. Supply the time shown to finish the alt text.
6:48
